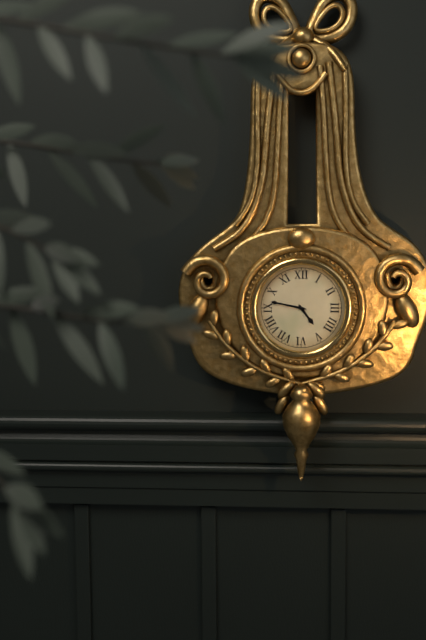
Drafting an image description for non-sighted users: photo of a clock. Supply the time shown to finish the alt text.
4:47
